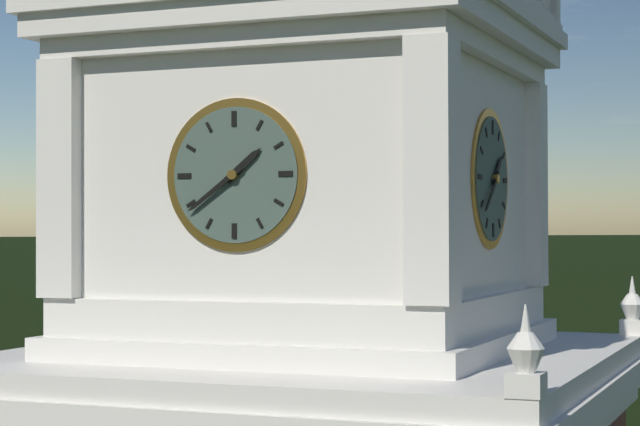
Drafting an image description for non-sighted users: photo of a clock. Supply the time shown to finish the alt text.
1:39
